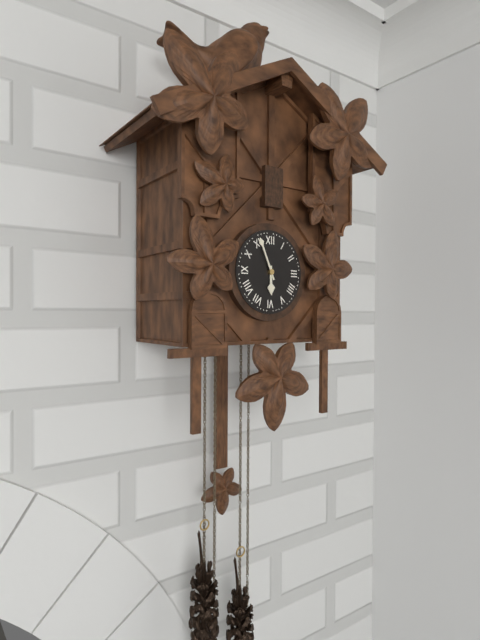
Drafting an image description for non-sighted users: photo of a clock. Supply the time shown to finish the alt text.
5:56
